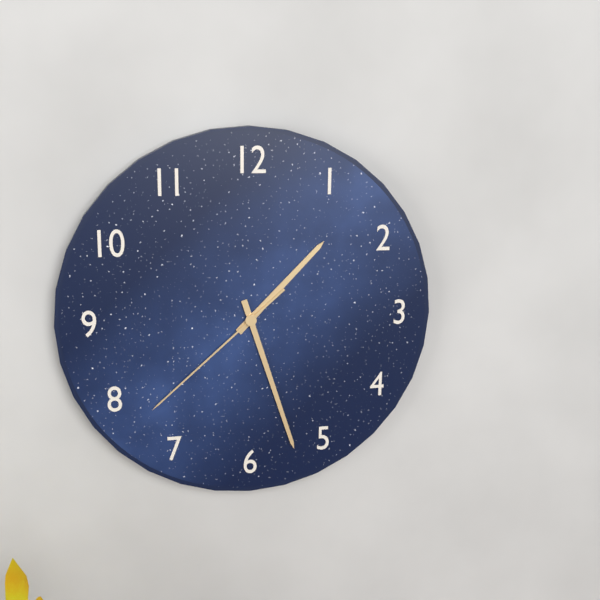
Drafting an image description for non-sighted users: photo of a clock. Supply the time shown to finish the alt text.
1:27:38
